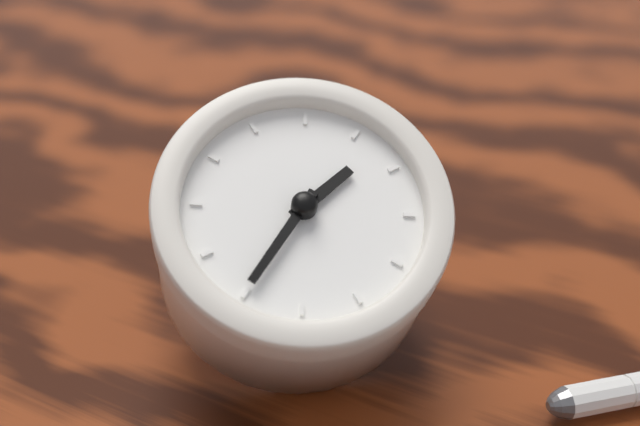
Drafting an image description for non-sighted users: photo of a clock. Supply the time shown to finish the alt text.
12:30
